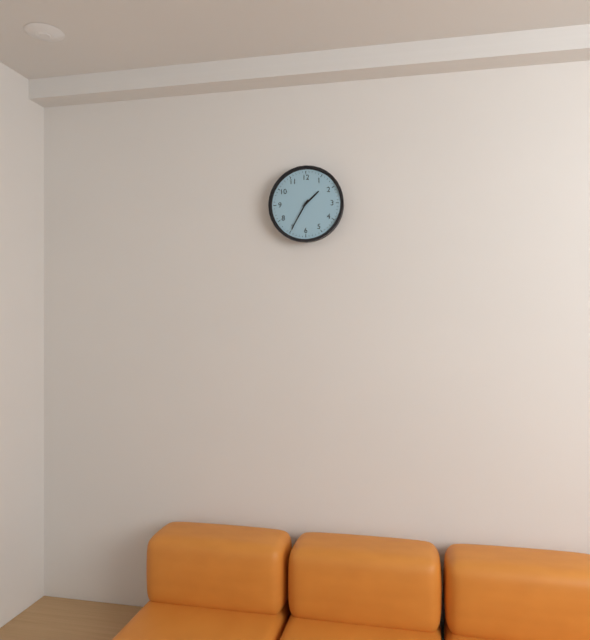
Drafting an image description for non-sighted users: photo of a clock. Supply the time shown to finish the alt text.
1:35
